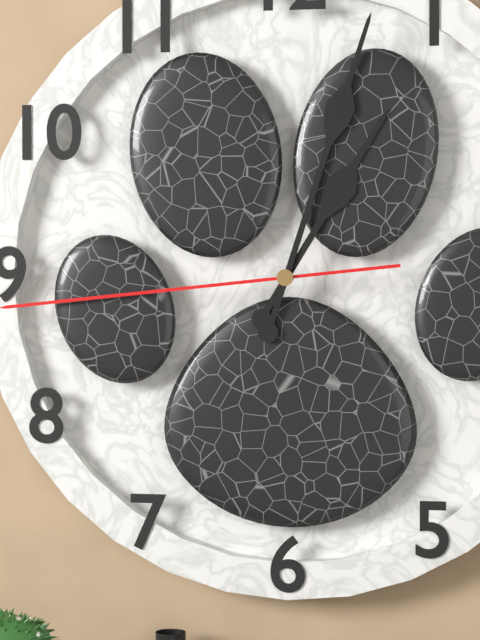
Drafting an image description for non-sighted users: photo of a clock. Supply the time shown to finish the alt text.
1:03
